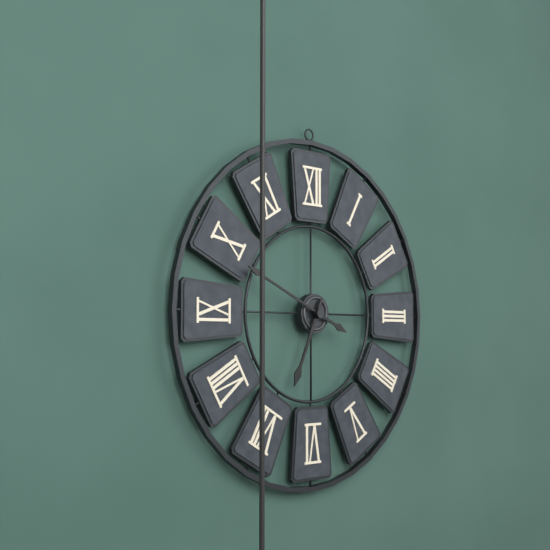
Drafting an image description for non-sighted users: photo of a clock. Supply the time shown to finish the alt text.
6:49
